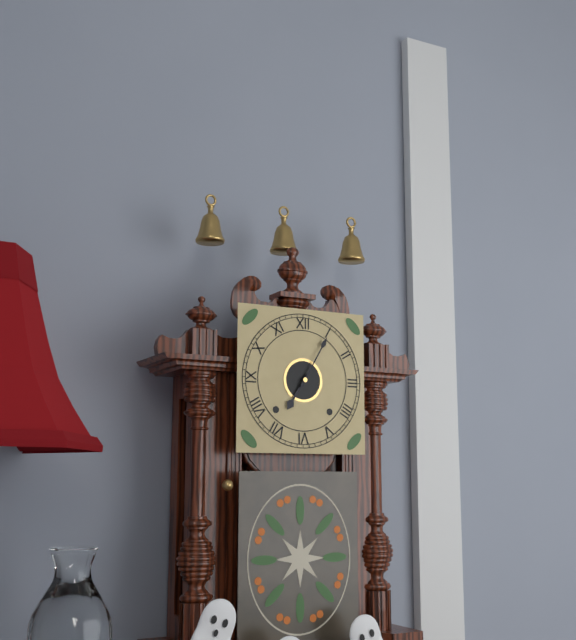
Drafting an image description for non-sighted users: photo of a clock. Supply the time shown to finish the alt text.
7:05
